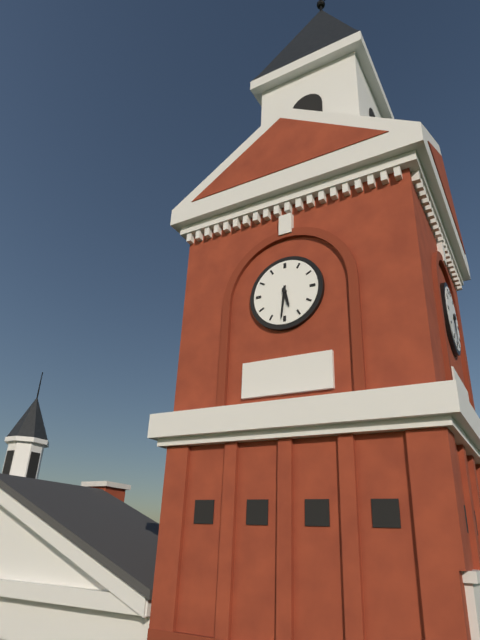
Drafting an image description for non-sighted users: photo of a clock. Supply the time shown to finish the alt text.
5:31
